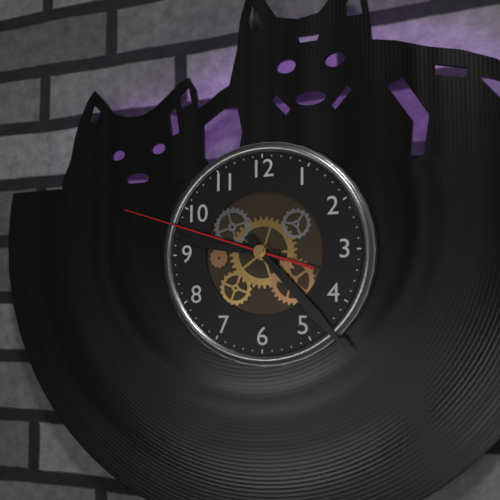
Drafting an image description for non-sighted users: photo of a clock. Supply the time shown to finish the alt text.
9:23:48
